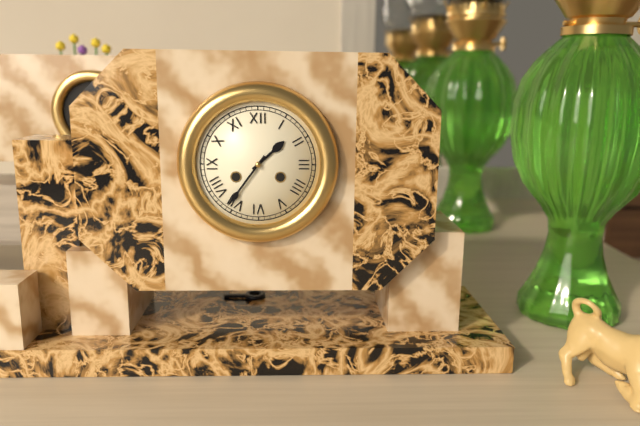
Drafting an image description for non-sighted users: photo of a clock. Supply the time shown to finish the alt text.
1:36
